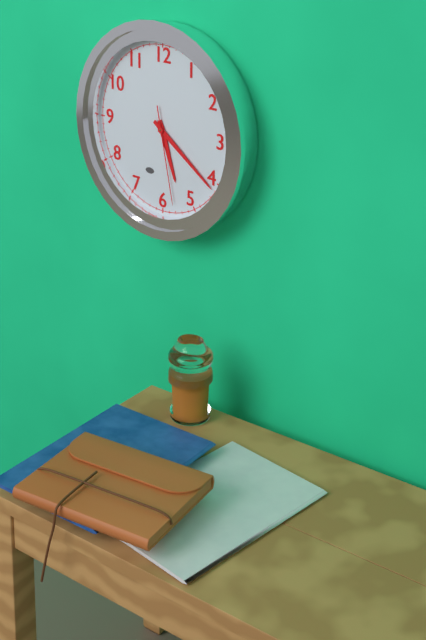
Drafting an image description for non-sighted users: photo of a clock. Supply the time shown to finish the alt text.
5:21:28
